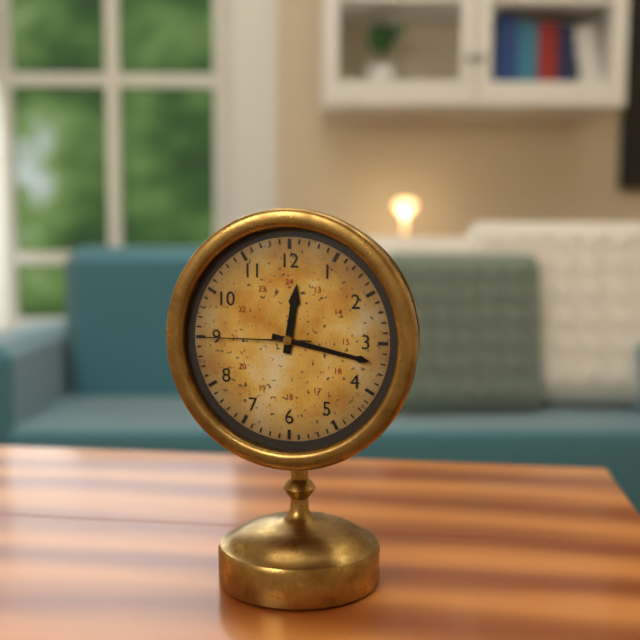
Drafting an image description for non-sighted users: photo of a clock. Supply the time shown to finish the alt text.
12:17:45
